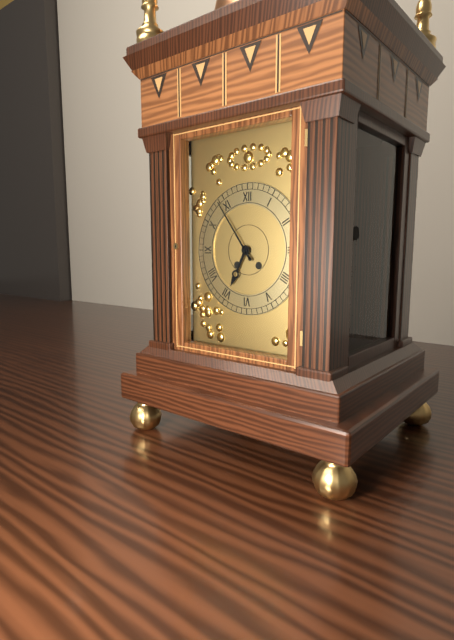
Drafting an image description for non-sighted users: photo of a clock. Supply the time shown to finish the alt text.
6:54
